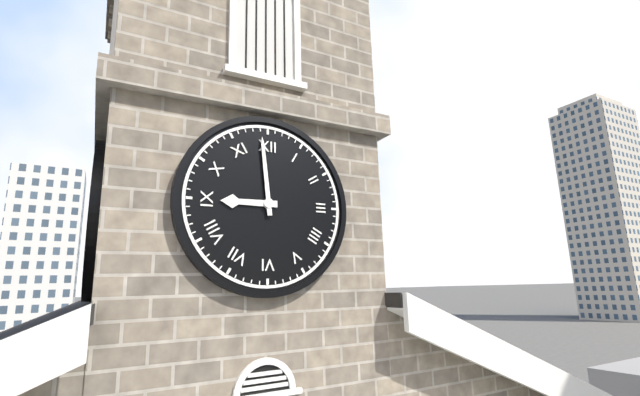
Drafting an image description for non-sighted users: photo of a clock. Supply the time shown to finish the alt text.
8:59
